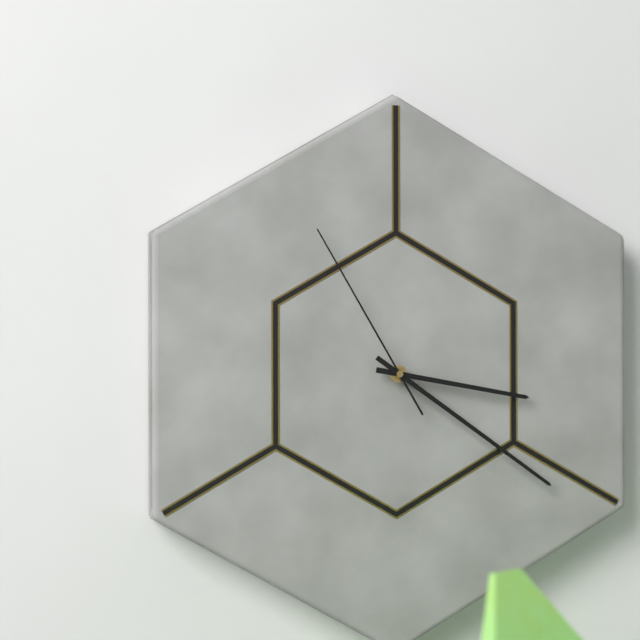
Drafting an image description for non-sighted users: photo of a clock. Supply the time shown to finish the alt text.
3:21:55
